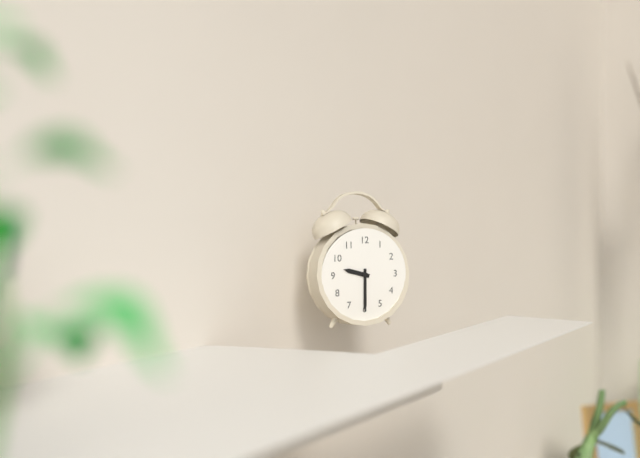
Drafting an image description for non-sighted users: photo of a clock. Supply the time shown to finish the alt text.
9:30
